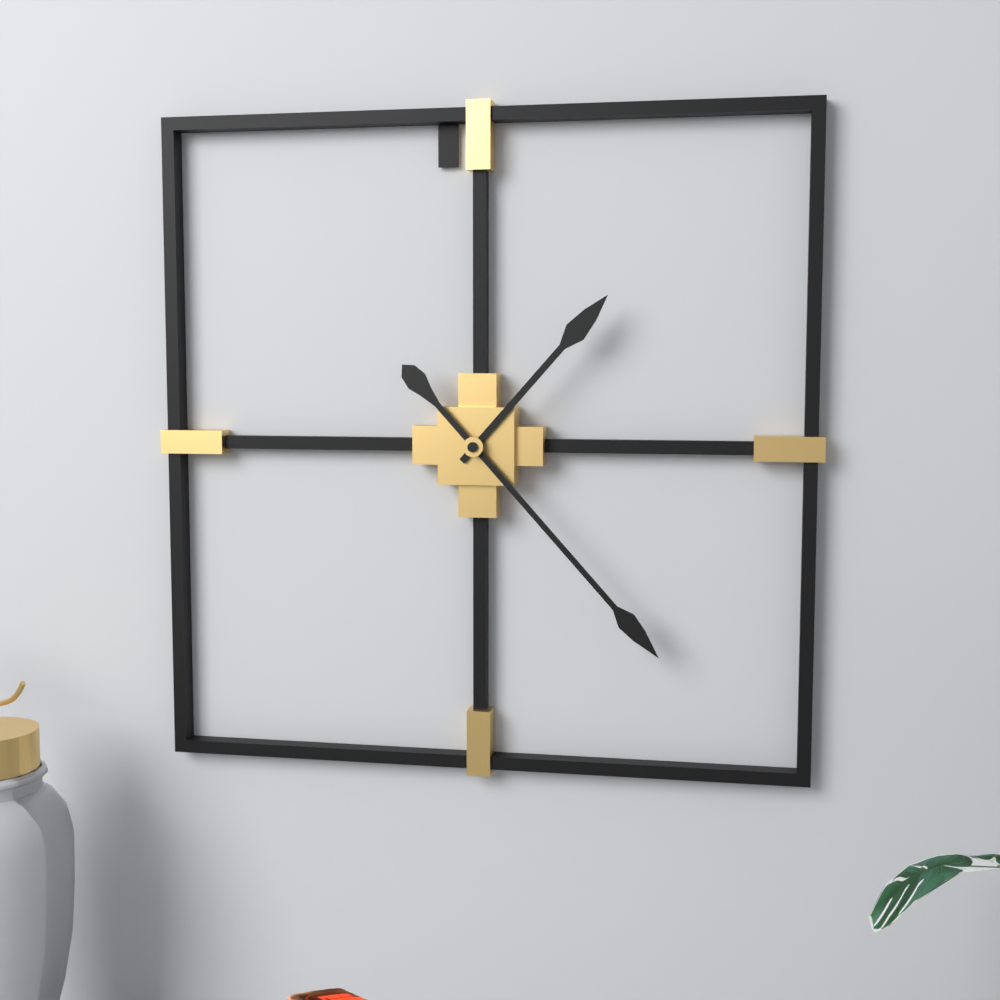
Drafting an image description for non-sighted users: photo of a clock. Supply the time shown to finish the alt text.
1:23
